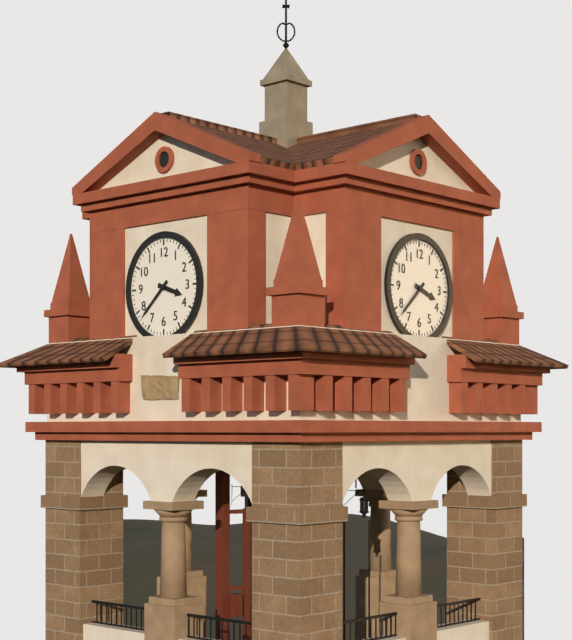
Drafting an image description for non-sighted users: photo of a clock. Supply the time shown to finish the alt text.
3:38
